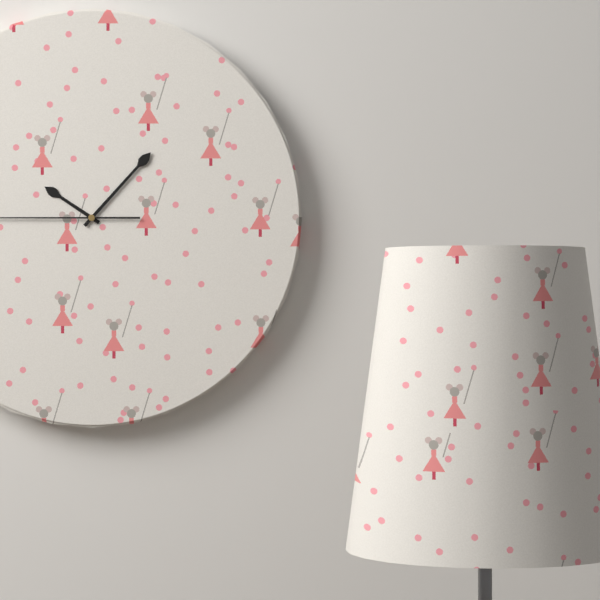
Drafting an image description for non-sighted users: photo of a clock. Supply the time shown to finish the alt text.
10:07
